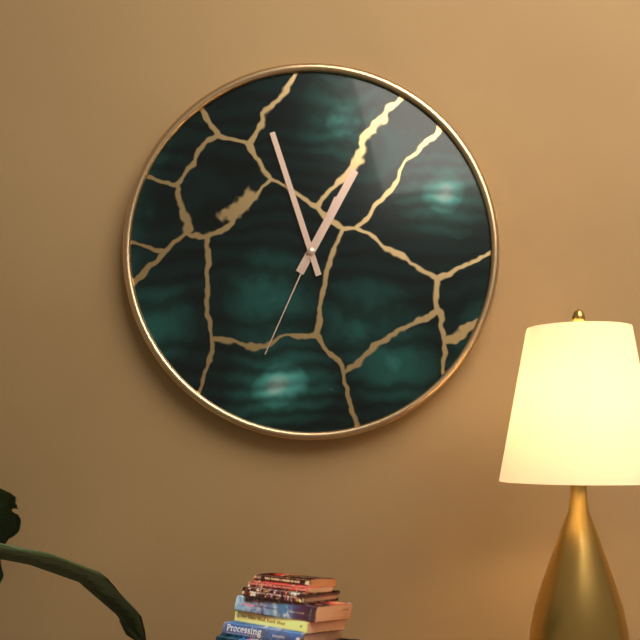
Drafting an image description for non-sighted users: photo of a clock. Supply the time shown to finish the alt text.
12:57:34
